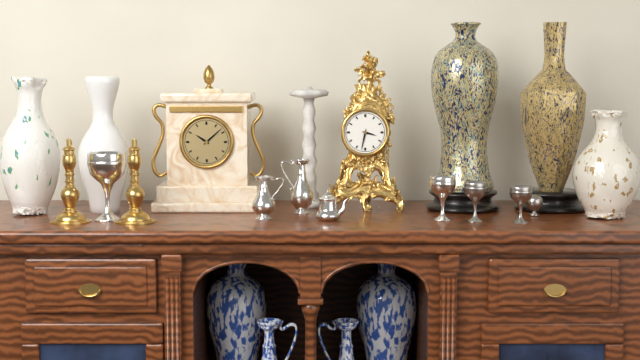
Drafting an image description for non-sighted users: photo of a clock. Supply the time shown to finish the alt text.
3:32
